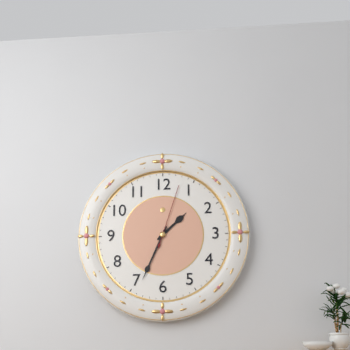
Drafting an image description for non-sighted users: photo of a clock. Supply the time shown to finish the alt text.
1:34:03
